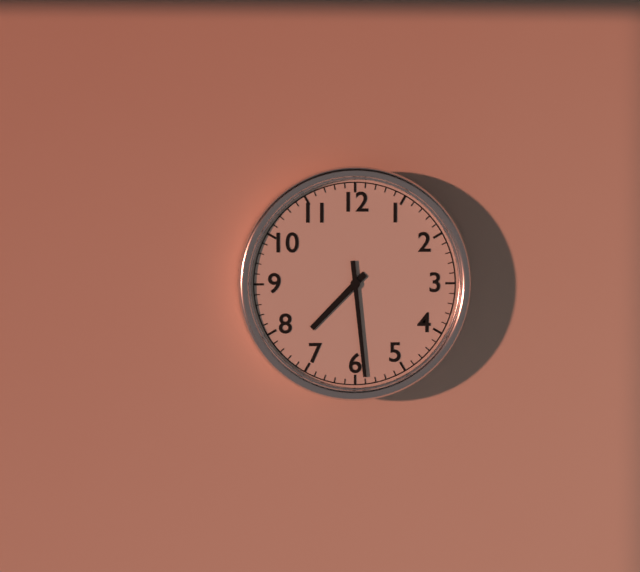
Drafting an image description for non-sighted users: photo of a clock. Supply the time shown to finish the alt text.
7:29
